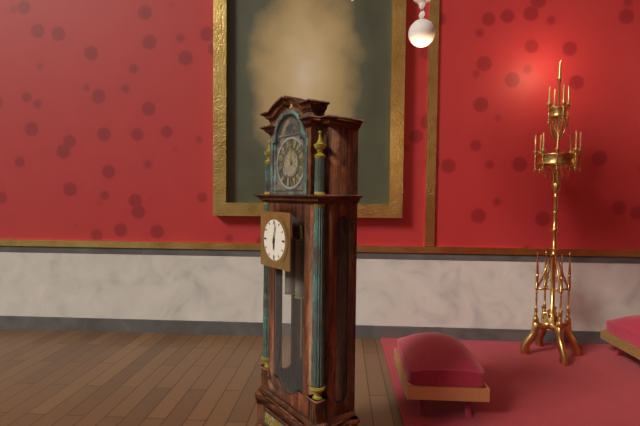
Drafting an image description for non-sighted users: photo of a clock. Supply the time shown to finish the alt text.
6:02
